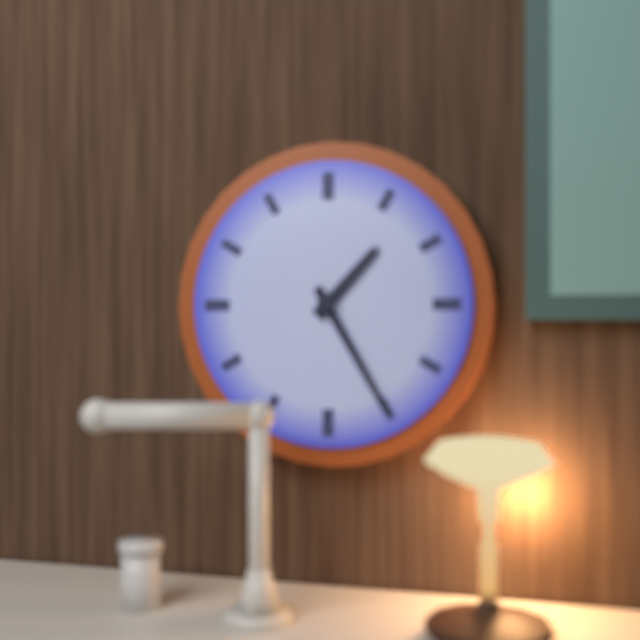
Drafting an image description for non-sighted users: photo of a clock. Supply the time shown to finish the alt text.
1:25
